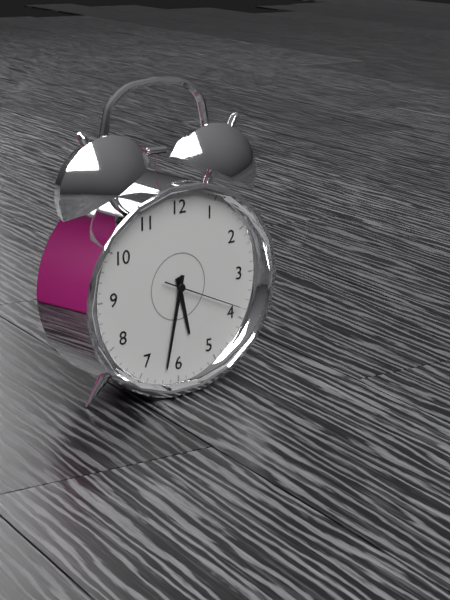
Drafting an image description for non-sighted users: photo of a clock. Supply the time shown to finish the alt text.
5:32:19
